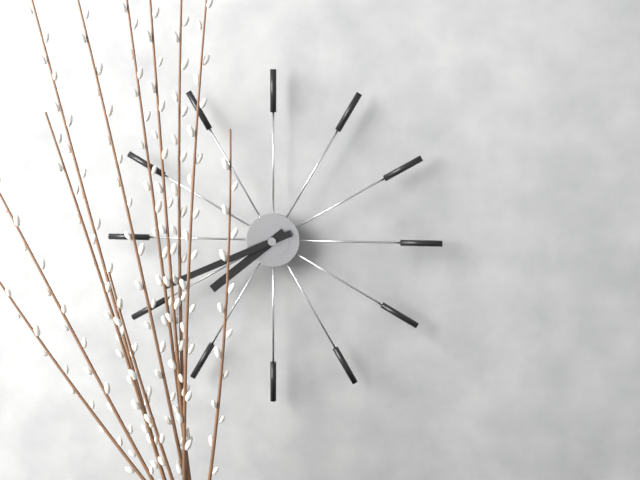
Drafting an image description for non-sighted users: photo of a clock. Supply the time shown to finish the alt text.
7:41
